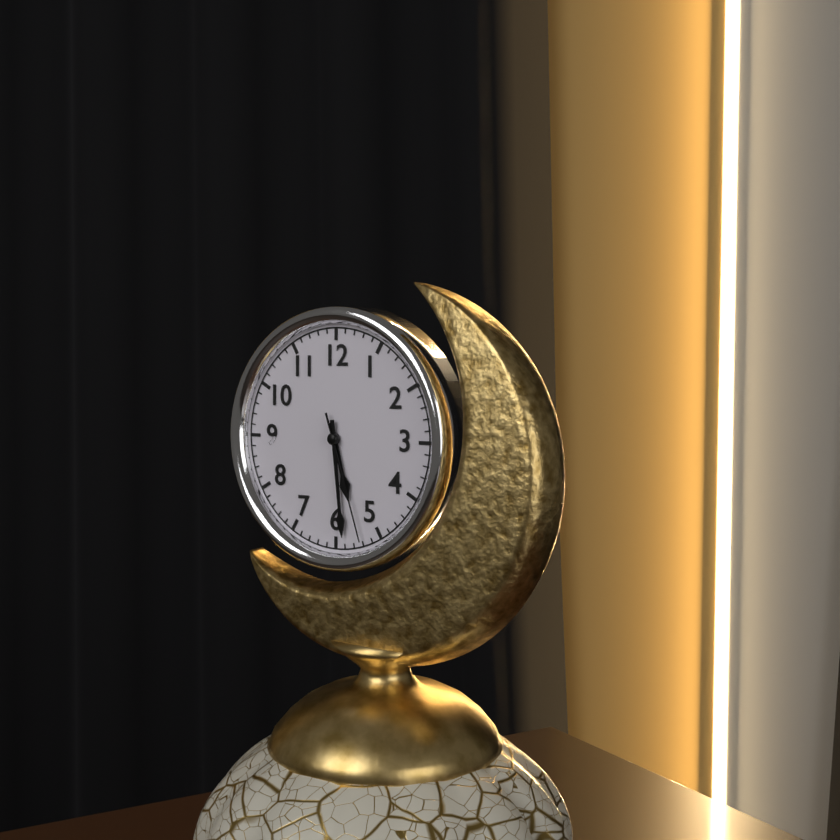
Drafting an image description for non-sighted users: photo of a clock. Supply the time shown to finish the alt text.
5:29:27
